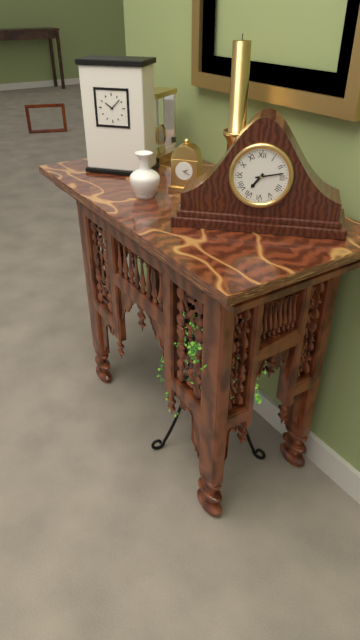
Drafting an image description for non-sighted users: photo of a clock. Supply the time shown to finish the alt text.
7:13
